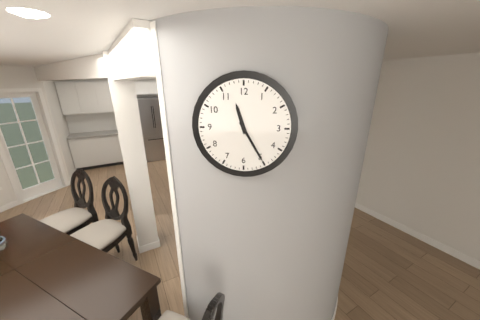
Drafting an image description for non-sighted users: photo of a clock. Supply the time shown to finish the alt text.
11:25
